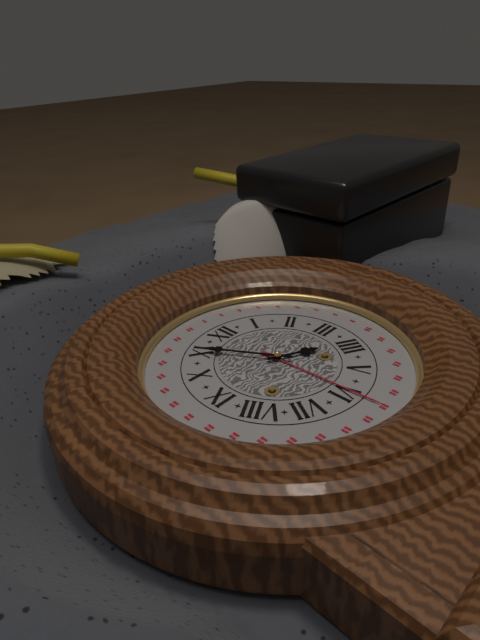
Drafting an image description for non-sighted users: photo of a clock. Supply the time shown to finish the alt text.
3:55
